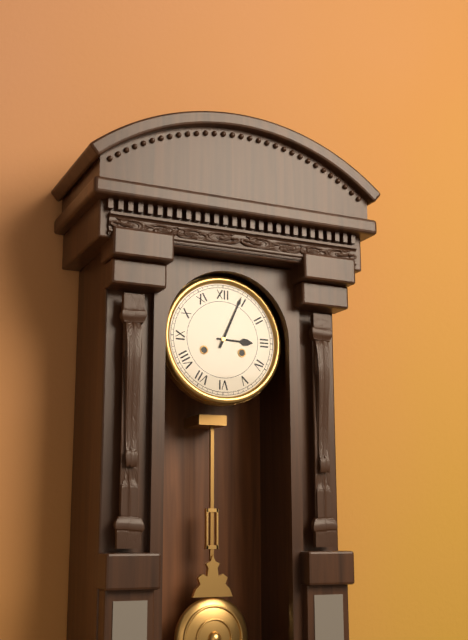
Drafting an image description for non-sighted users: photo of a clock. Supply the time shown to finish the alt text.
3:04
